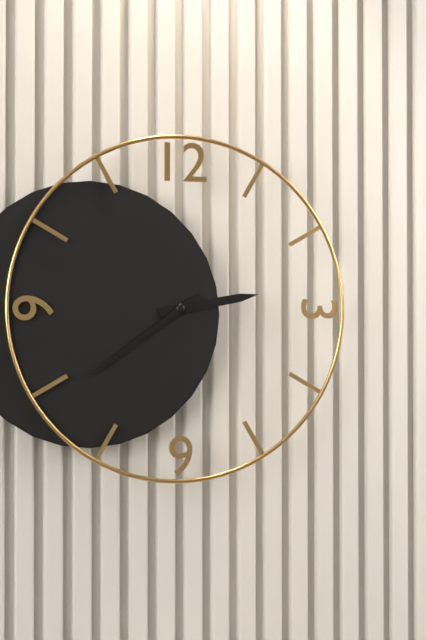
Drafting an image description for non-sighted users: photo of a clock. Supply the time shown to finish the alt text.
2:39
